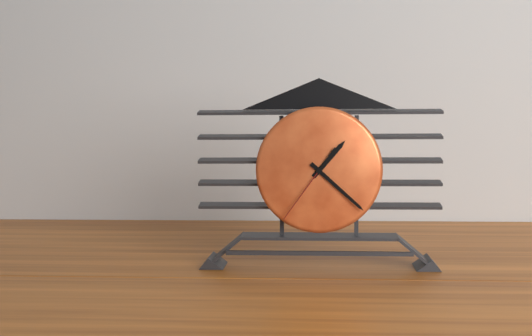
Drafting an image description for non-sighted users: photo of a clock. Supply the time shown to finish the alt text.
1:22:36
